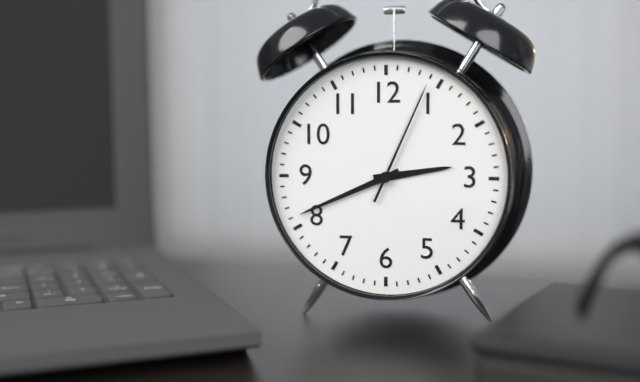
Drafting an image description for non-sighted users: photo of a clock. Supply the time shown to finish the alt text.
2:41:04
